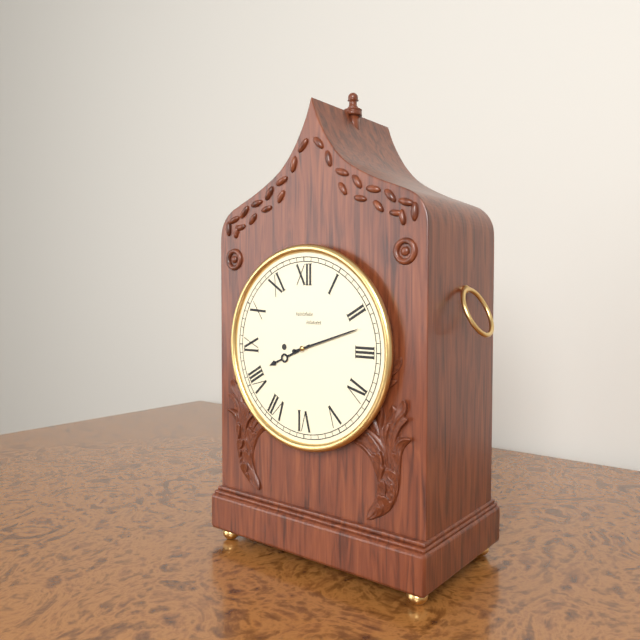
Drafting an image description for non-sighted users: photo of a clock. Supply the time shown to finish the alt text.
8:12
